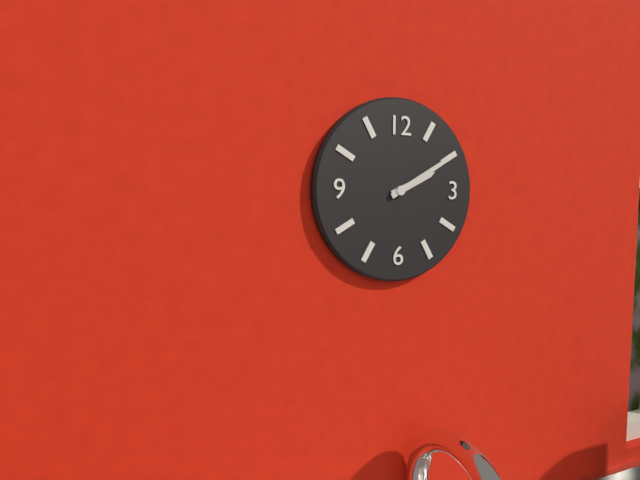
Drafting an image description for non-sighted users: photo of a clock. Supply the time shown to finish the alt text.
2:10
